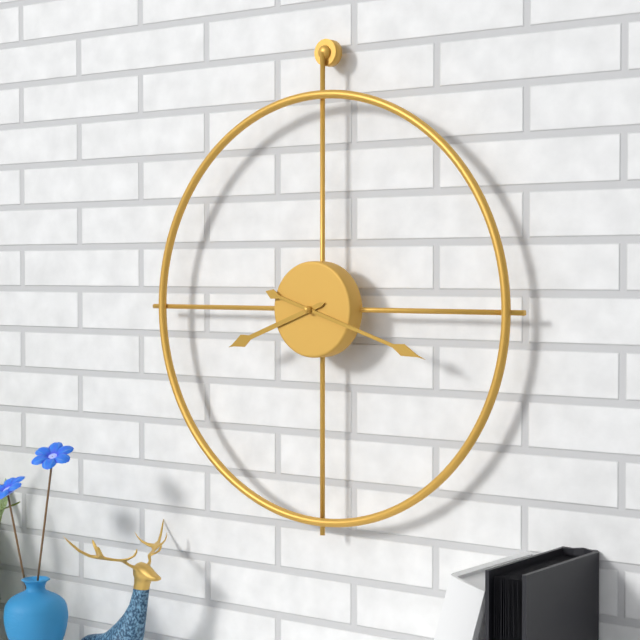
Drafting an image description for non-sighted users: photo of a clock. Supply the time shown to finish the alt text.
8:18
